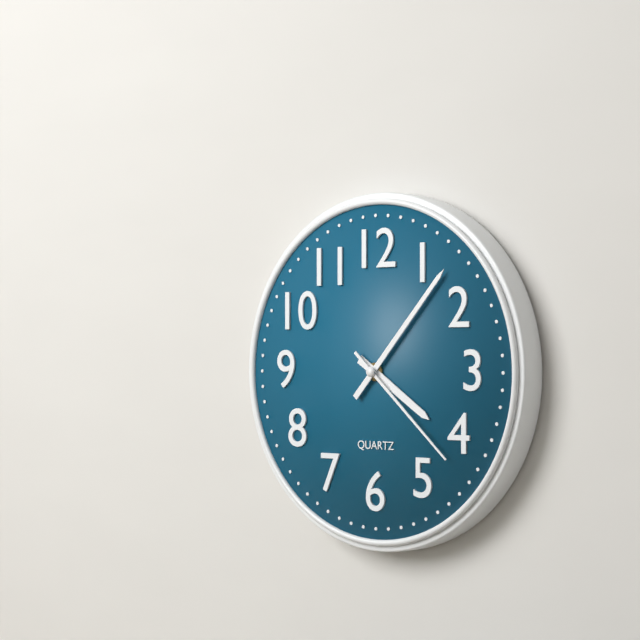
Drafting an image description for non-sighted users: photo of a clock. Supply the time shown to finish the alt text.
4:07:22
